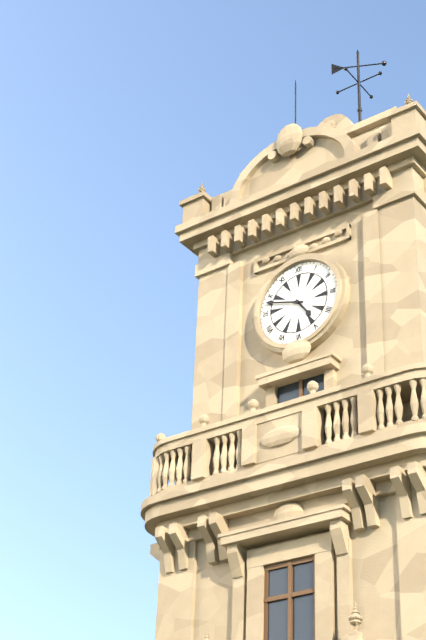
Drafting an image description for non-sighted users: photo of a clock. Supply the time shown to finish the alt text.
4:48
